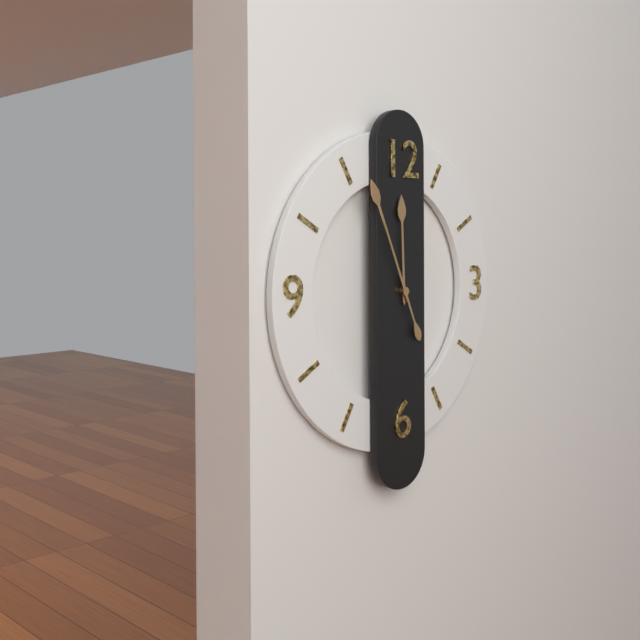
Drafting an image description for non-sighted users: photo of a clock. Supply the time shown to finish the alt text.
11:56
